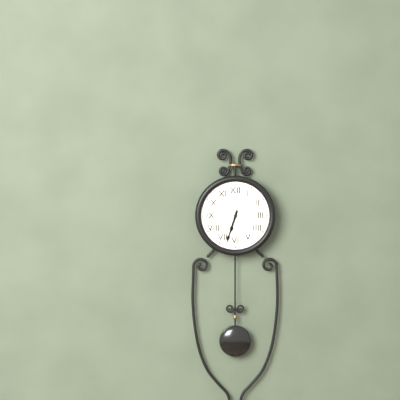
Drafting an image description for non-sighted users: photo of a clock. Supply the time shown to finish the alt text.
6:33
